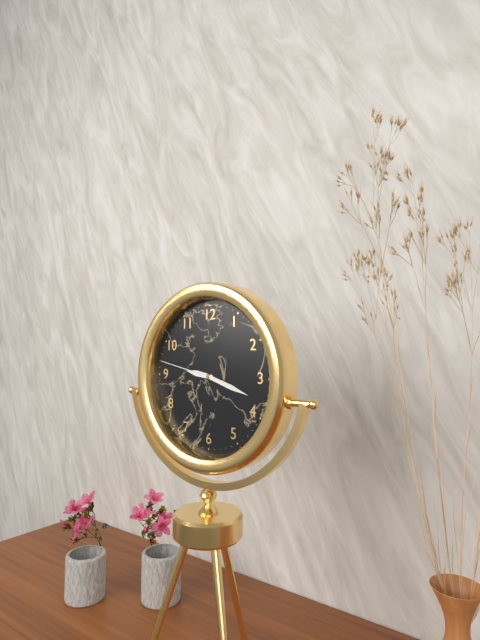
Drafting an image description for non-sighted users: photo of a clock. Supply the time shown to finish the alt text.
9:18:47
